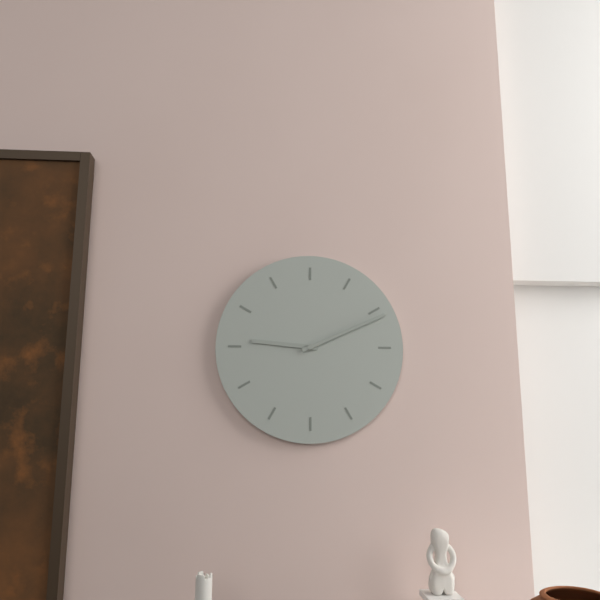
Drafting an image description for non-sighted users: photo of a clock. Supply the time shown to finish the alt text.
9:11
